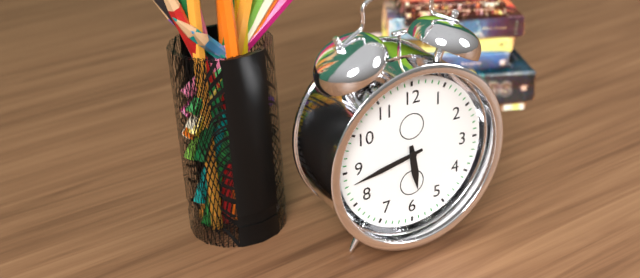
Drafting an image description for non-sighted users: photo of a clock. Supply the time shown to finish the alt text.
5:43
